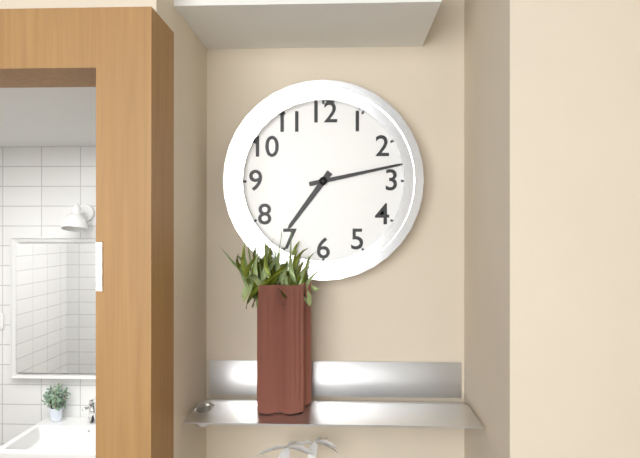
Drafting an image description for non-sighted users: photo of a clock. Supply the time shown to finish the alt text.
7:13
